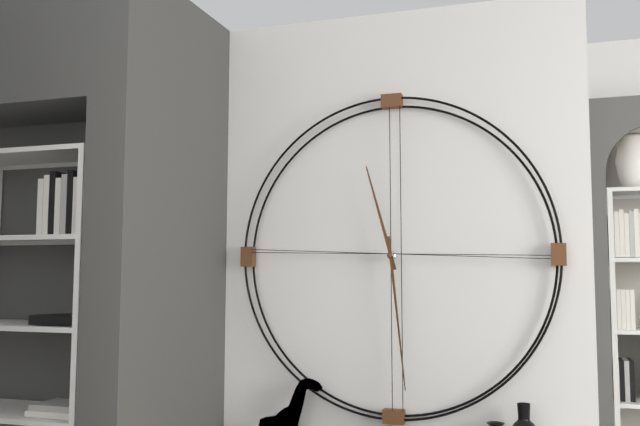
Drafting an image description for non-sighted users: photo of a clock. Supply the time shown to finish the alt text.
11:29
